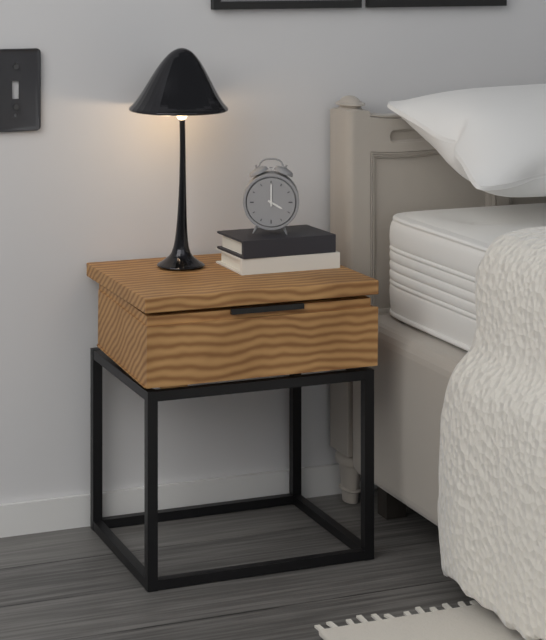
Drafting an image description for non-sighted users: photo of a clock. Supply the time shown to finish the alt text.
4:00
